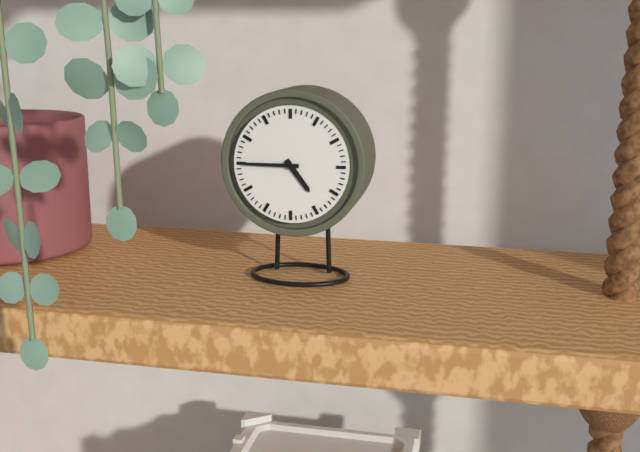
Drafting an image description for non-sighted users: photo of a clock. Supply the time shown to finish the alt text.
4:45
